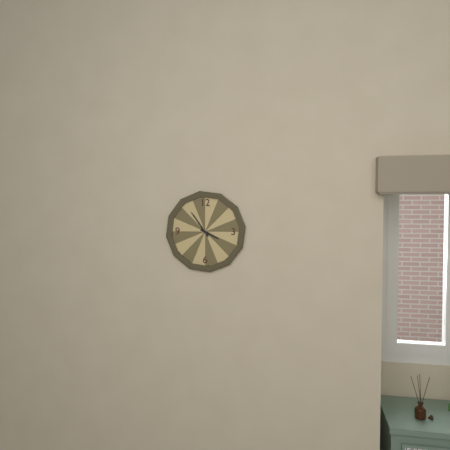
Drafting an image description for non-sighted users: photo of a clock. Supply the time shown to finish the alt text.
3:54
